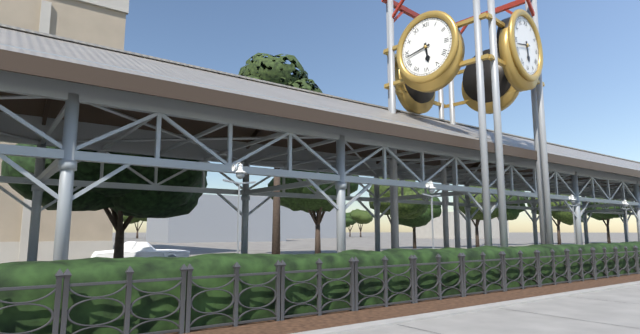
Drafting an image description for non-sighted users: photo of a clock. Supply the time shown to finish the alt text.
5:43
